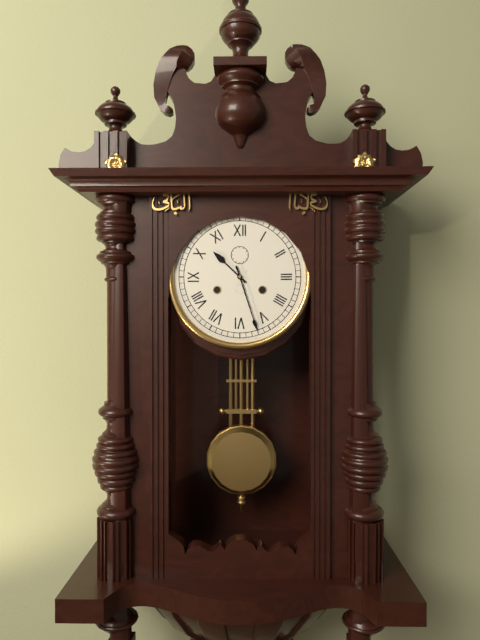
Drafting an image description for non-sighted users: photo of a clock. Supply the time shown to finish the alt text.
10:27
